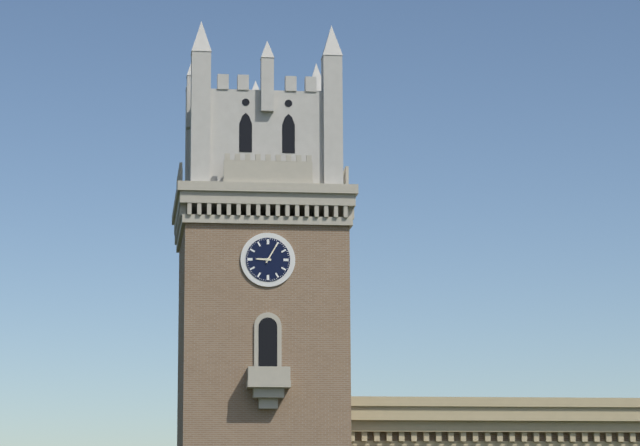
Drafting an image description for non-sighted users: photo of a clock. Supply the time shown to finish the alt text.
9:05
